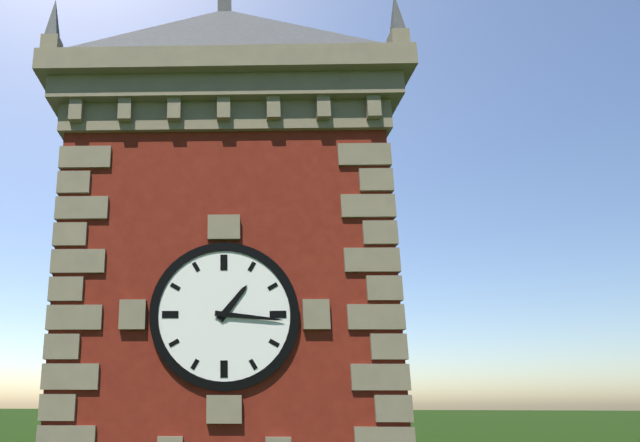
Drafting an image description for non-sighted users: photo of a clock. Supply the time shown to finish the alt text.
1:16
